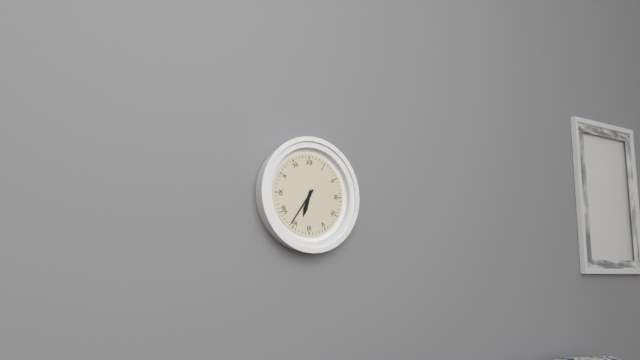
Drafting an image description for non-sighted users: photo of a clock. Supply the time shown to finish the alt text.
6:36
